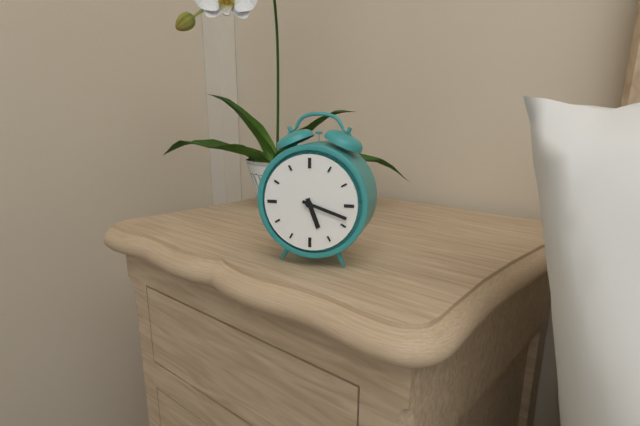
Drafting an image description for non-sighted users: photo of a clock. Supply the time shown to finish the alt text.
5:18
